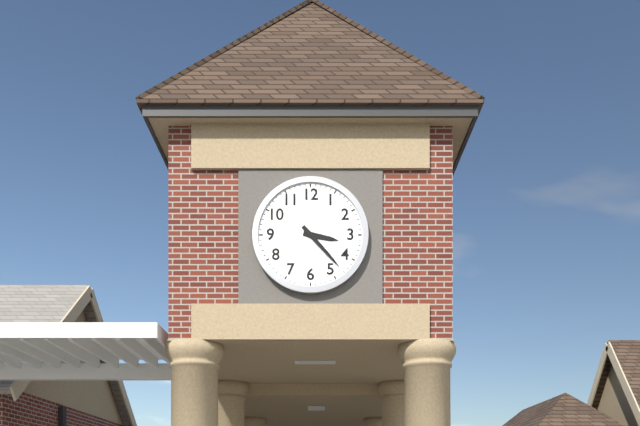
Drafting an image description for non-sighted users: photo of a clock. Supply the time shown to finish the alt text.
3:23
